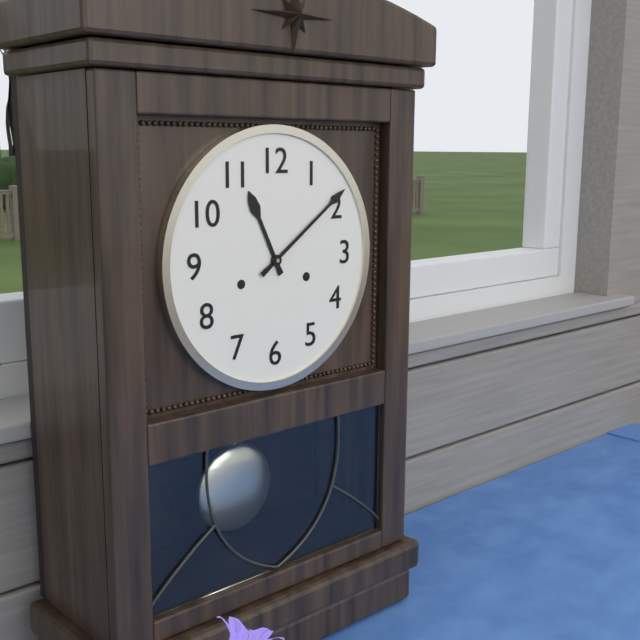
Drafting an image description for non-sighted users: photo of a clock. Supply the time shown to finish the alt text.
11:09
